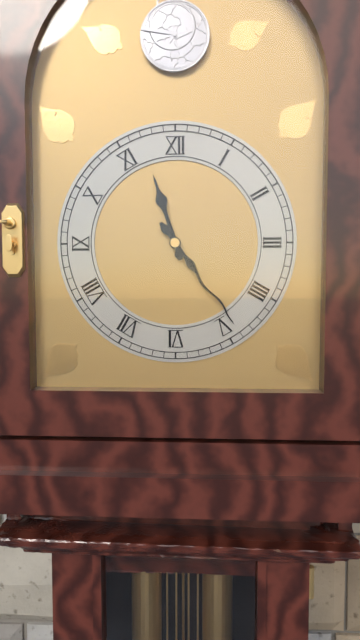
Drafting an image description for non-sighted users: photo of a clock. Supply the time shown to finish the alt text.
11:24
